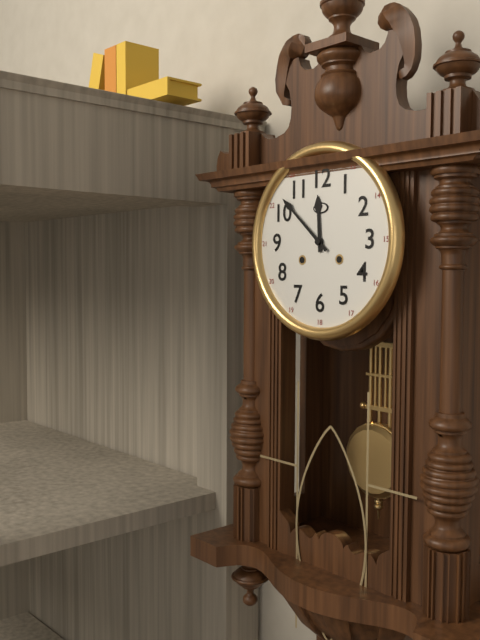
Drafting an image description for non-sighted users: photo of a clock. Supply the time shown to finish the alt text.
11:52
